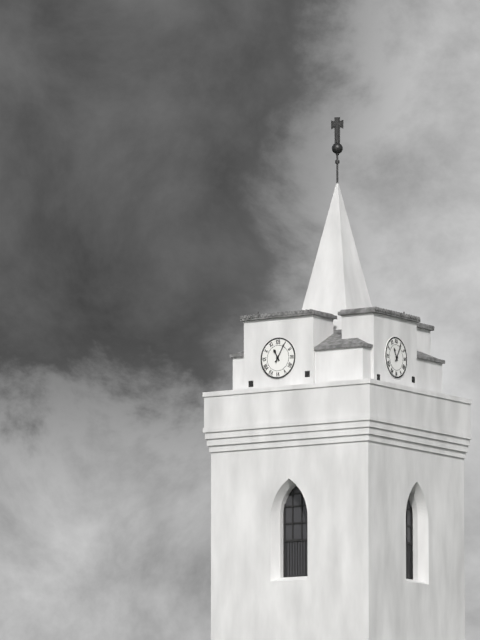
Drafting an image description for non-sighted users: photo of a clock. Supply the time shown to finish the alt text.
11:05
